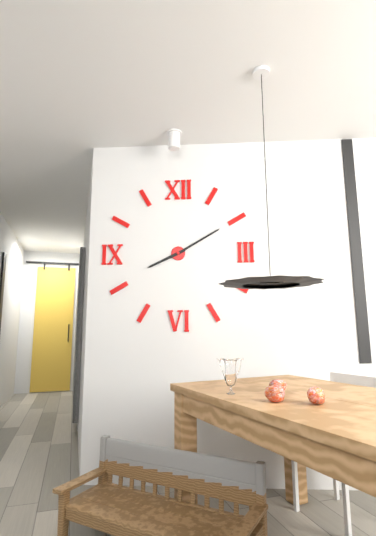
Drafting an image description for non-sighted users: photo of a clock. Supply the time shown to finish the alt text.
8:10
